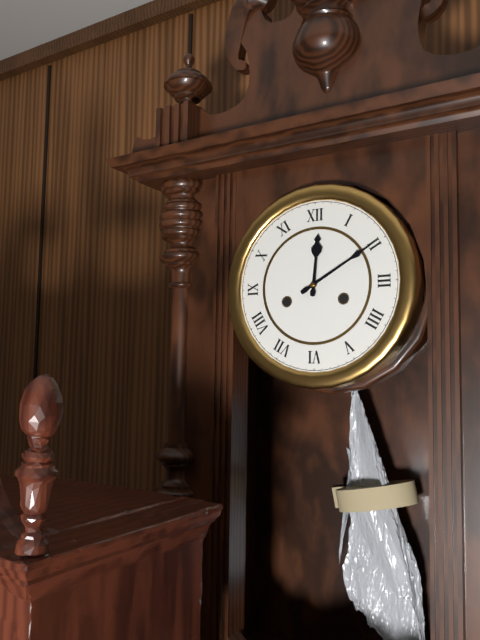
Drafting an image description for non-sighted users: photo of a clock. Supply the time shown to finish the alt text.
12:10
